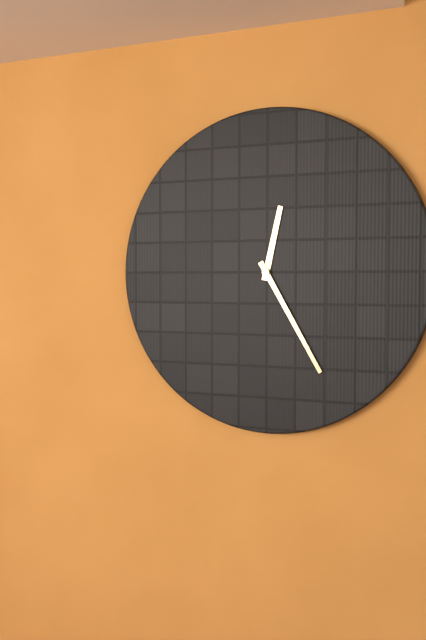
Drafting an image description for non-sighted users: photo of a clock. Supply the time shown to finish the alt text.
12:25
